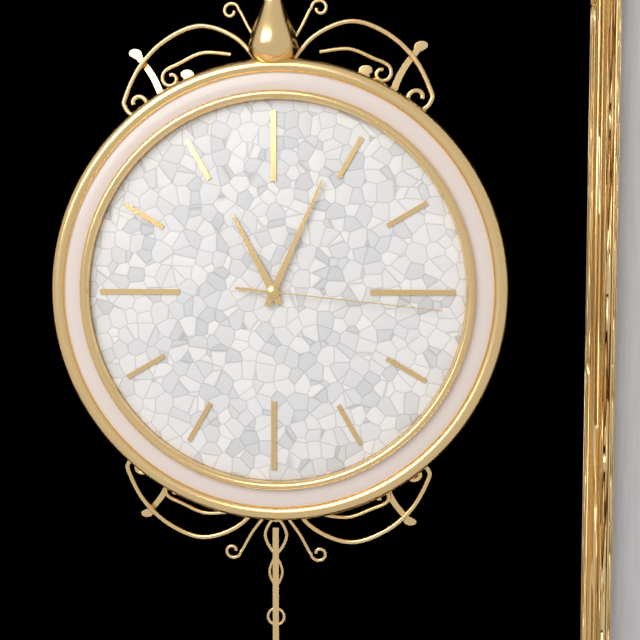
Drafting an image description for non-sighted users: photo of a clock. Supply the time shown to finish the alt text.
11:04:16
